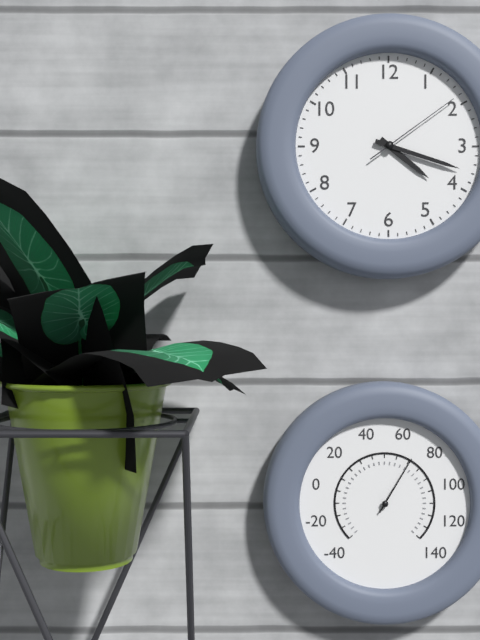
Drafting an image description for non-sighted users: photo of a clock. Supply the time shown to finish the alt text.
4:18:09
